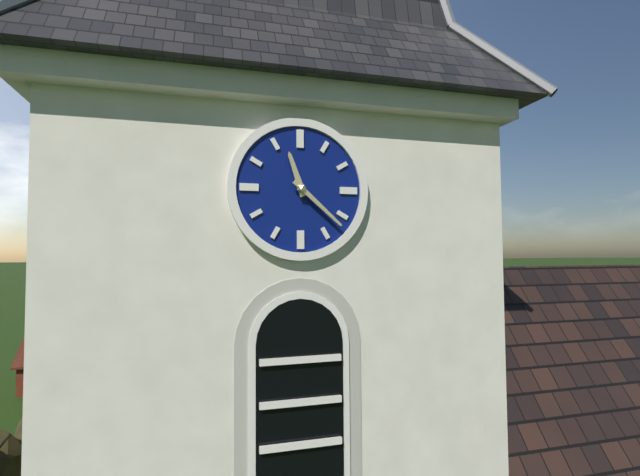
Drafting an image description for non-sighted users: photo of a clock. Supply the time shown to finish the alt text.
11:22
